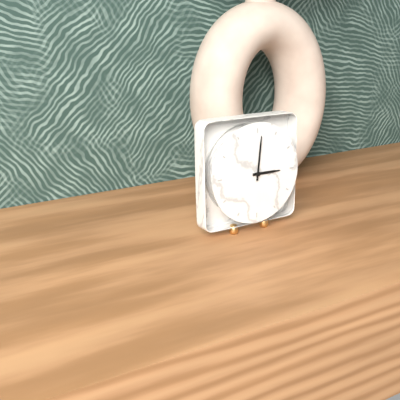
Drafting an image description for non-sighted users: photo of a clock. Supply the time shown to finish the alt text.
3:01
